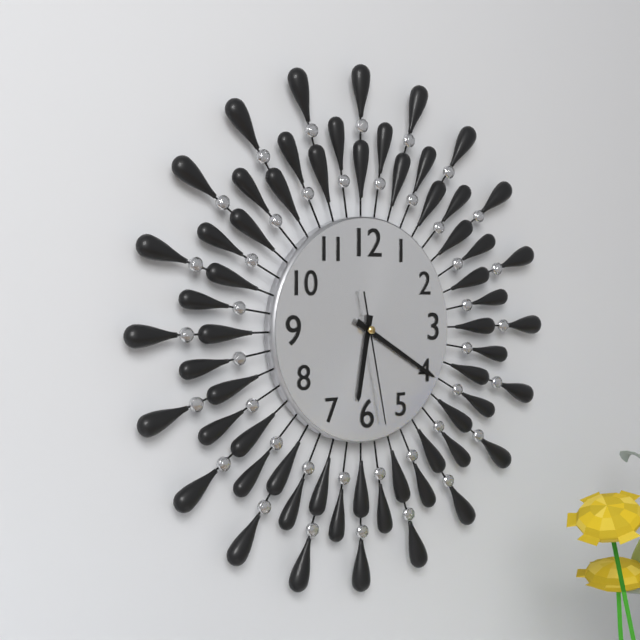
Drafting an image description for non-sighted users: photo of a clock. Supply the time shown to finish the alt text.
6:20:28
